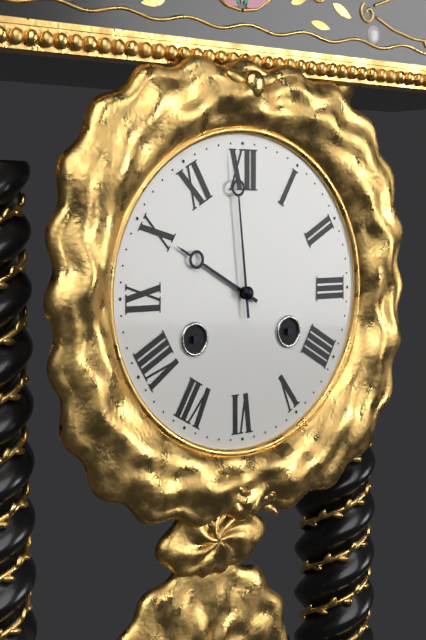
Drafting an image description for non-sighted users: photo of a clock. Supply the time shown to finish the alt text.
9:59
